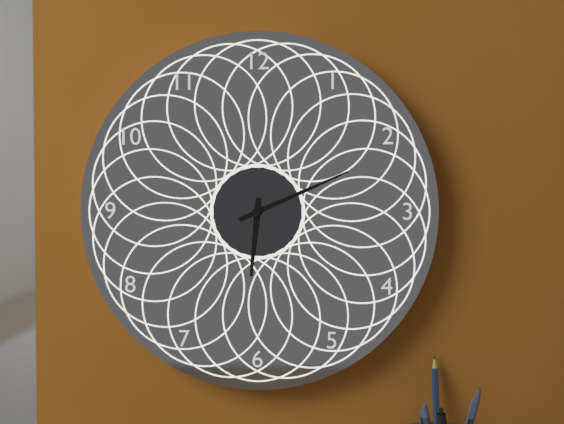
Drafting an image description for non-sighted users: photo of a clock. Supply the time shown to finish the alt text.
6:11
